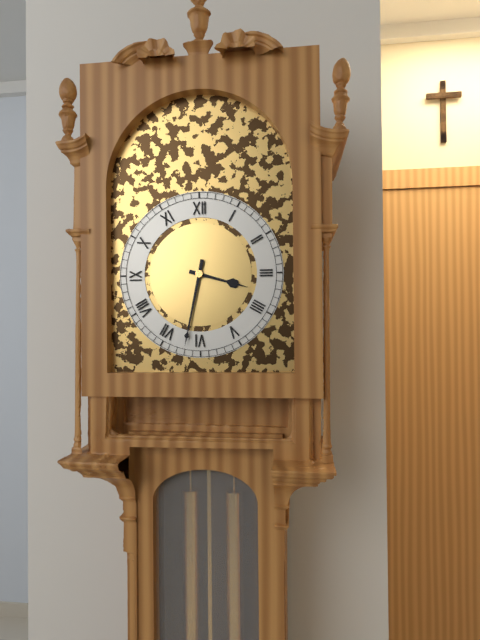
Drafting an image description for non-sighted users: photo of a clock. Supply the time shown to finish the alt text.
3:32
